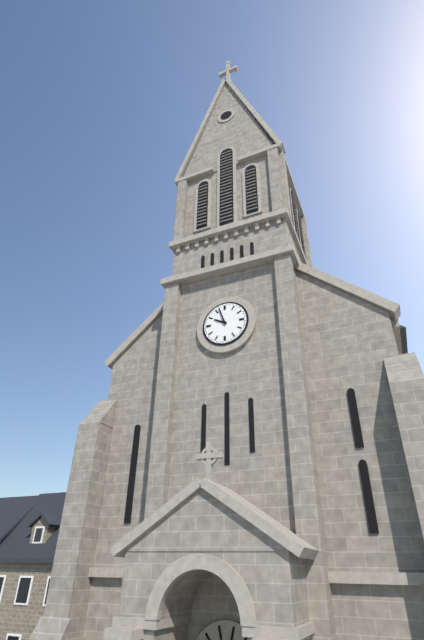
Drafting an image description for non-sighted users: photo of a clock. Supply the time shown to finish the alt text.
9:57
